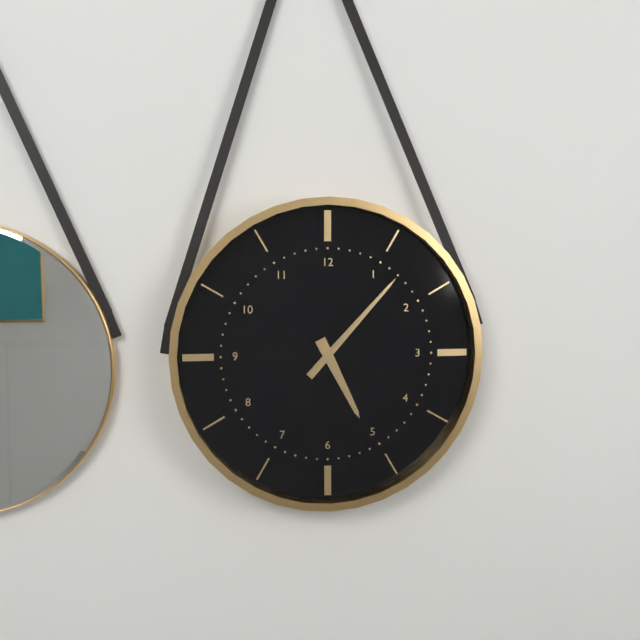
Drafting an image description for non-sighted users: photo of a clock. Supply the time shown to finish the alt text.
5:07
